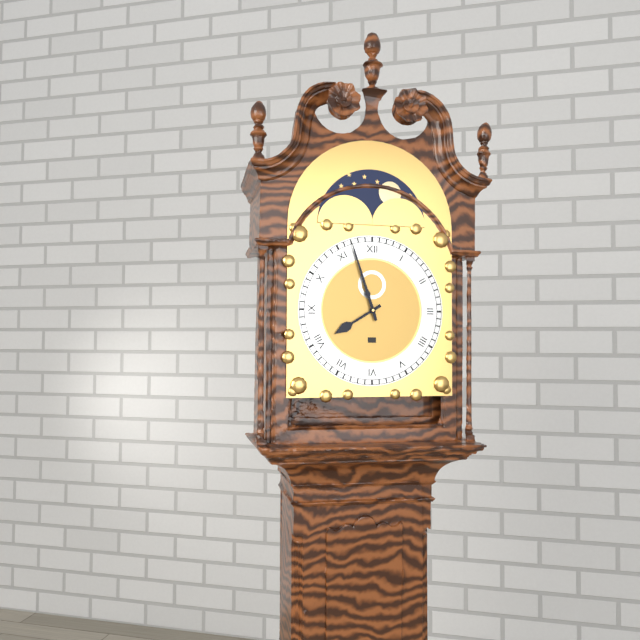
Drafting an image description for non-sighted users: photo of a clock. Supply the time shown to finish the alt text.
7:57
